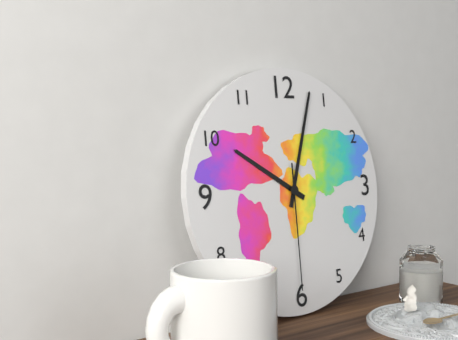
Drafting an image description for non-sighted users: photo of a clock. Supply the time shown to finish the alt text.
10:03:30
